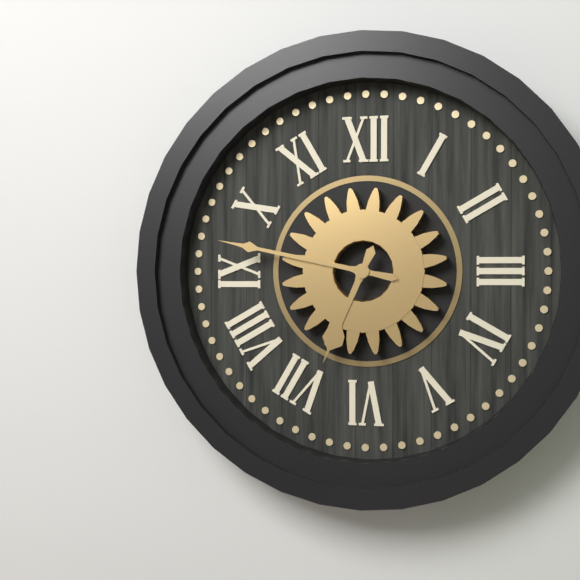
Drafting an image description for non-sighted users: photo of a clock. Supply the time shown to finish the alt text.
6:47
